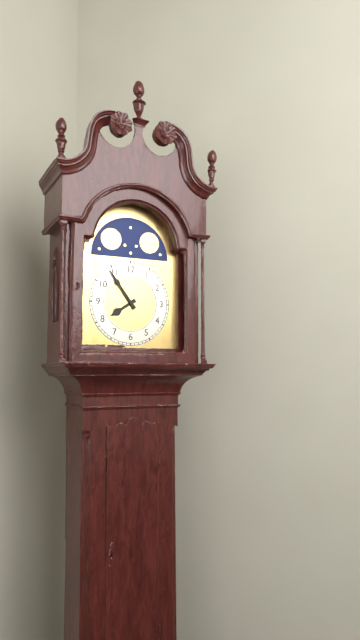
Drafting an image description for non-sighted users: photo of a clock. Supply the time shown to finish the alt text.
7:54
